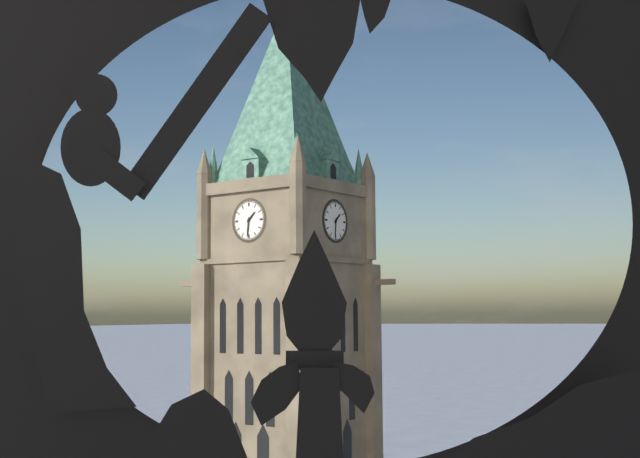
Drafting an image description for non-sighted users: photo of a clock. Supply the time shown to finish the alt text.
1:31
